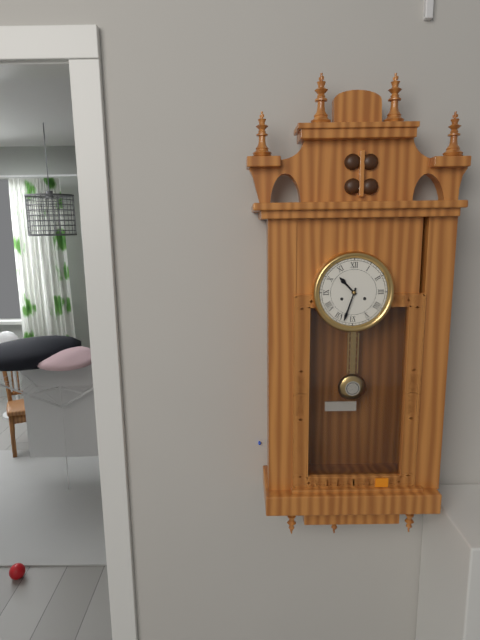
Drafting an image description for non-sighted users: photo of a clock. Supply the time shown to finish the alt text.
10:33
